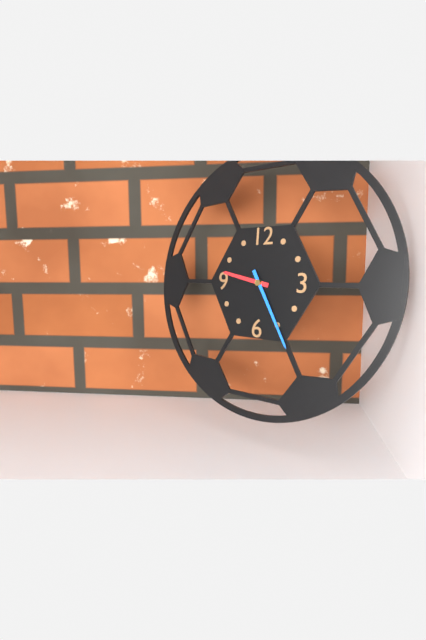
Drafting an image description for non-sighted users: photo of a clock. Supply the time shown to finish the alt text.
9:25
